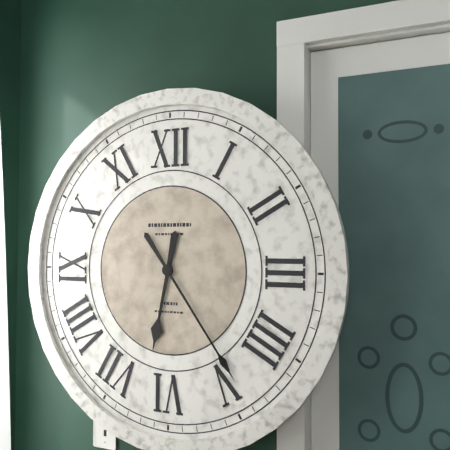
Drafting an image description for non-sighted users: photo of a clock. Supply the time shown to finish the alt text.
6:24
